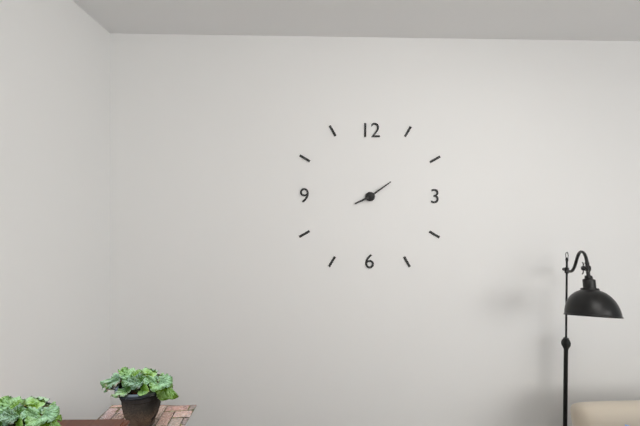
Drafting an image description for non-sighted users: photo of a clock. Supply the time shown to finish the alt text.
8:09
